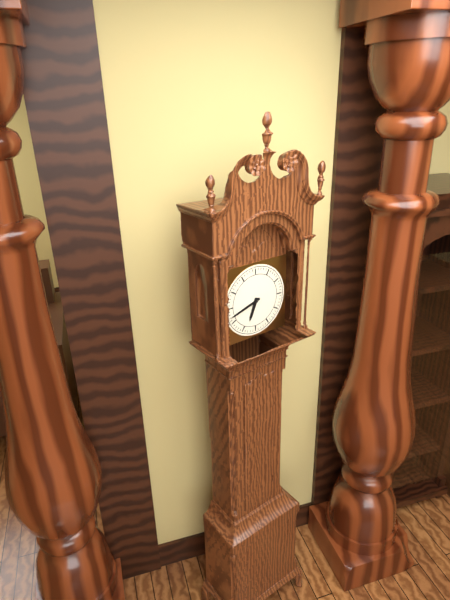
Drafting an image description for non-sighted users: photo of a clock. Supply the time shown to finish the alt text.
6:42
